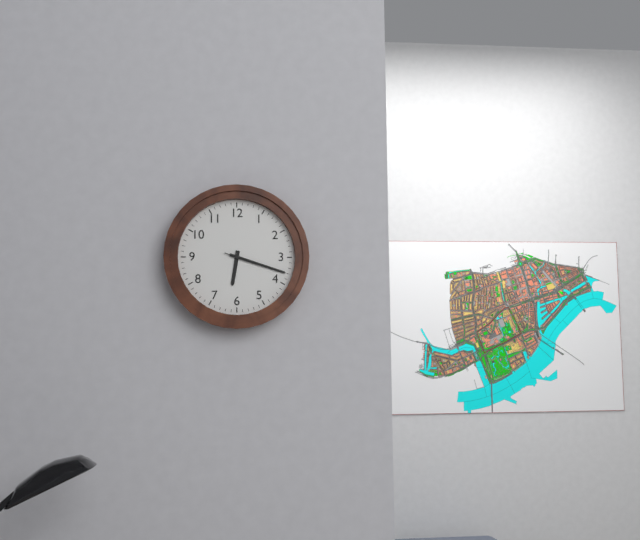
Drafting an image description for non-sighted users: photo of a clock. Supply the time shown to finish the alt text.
6:18:18
